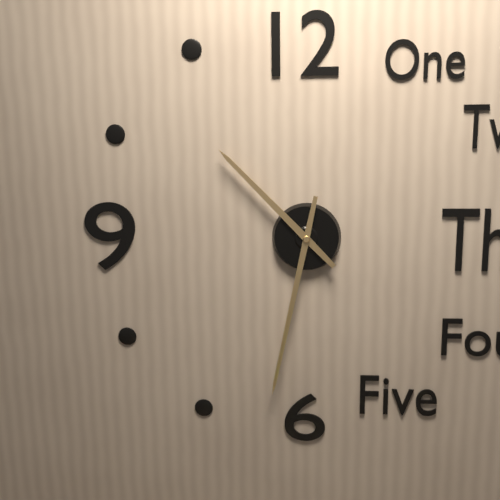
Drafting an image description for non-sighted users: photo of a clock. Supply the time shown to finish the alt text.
10:32
